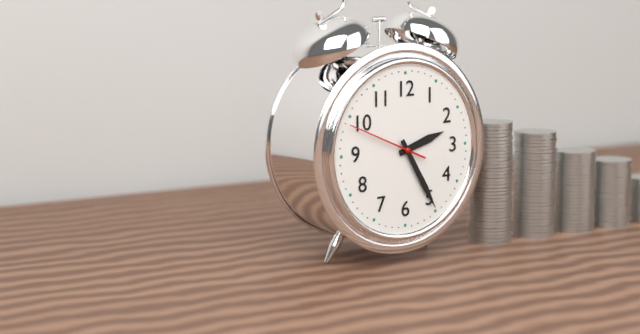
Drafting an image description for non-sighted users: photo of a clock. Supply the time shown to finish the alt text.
2:25:49
